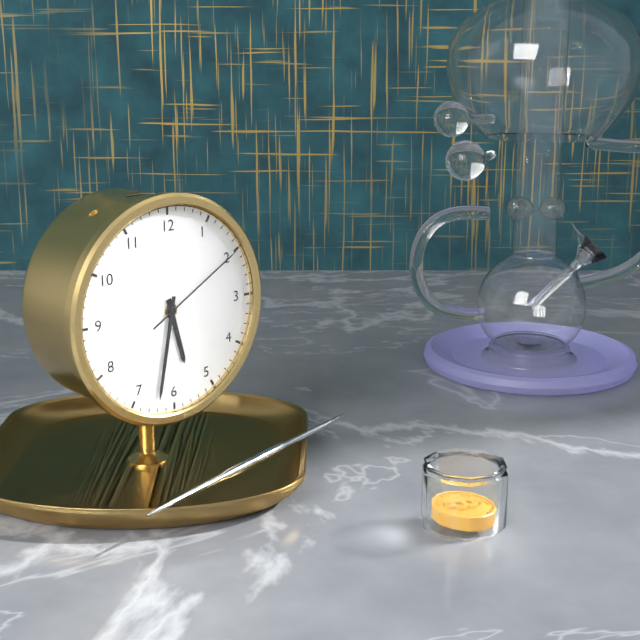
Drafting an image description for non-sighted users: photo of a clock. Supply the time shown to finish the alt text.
5:32:10
